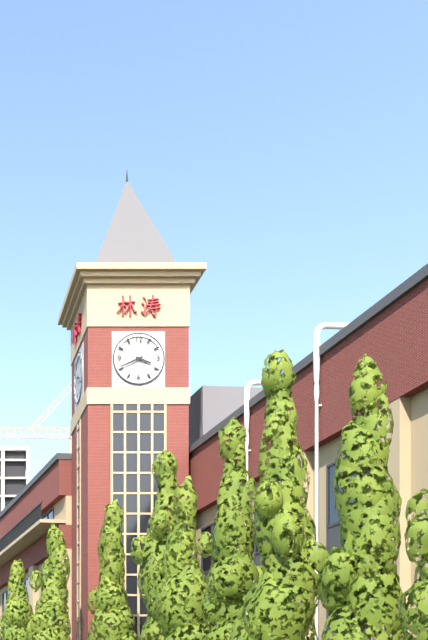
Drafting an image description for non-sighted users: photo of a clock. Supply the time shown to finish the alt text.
3:41
